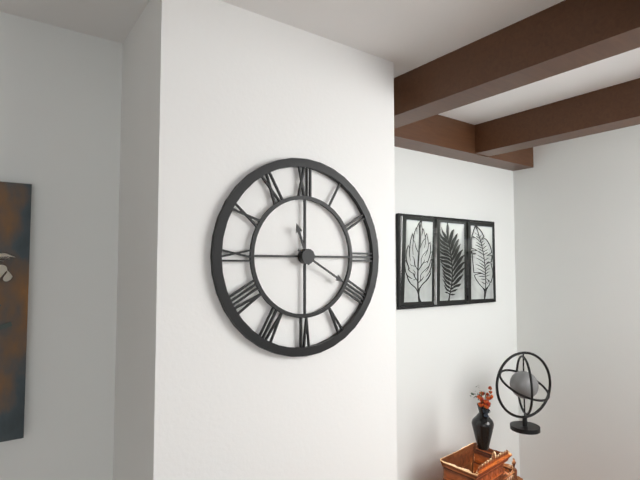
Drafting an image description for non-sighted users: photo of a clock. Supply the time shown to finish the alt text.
11:20
